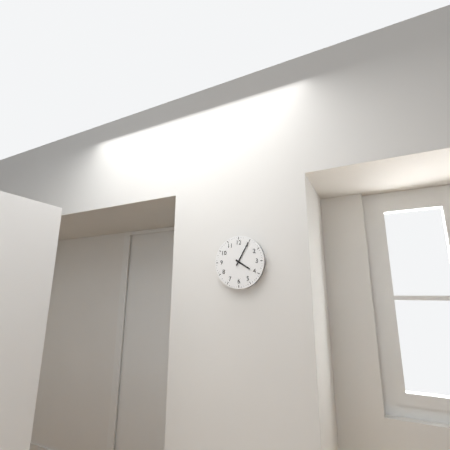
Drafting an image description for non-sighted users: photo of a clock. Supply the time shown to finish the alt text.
4:05
